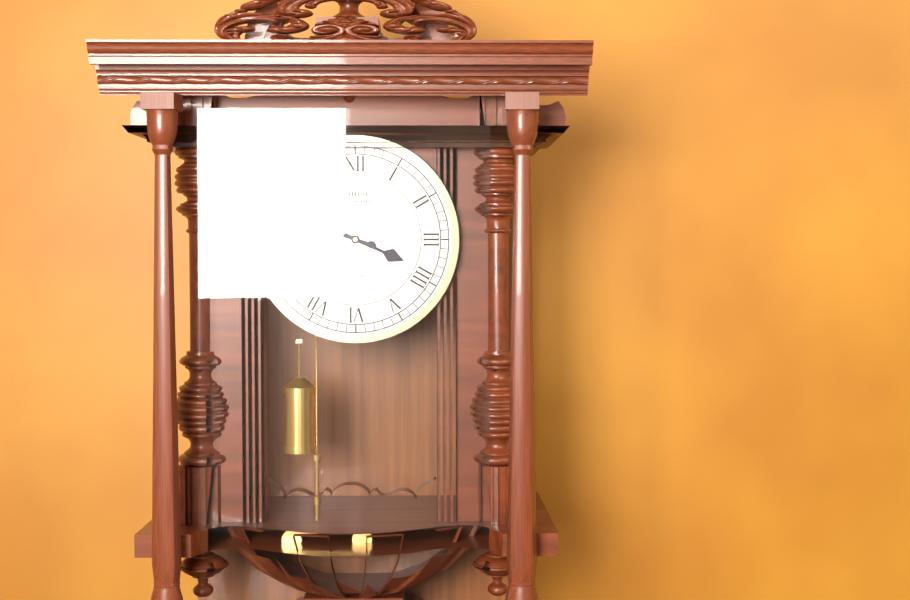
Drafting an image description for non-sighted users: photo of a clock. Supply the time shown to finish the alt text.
3:48
